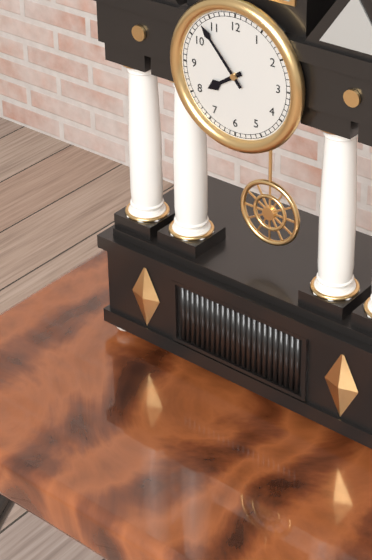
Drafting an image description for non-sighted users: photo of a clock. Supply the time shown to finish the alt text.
7:53
